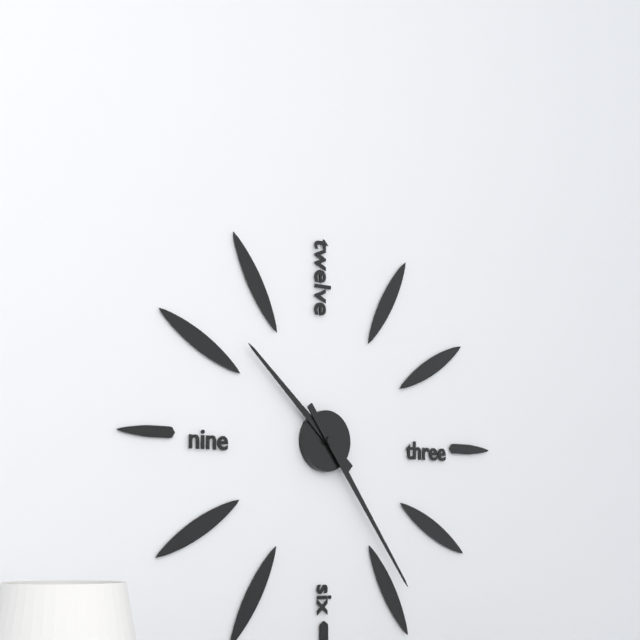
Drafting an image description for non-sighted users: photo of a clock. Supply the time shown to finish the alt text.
10:24
